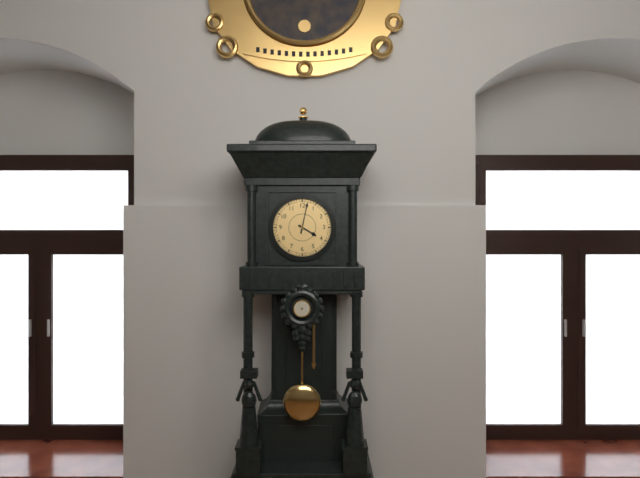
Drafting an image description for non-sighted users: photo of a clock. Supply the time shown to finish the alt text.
4:02
